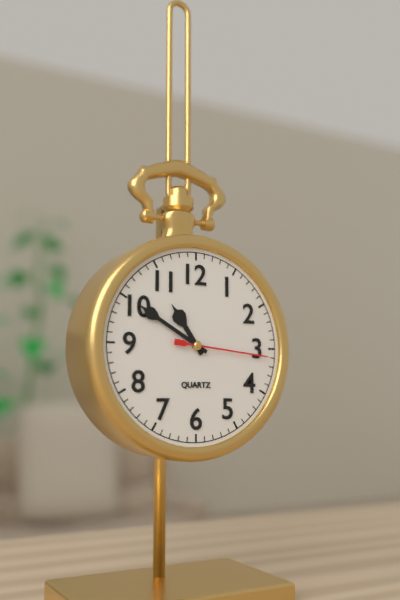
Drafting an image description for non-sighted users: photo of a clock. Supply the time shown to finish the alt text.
10:50:16
